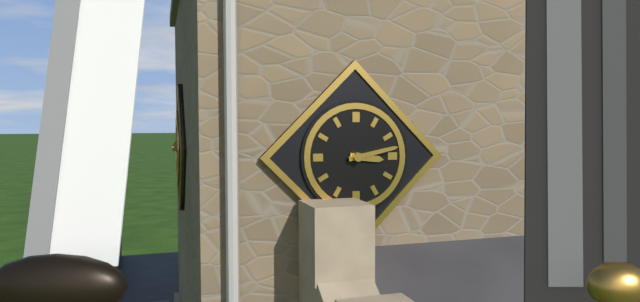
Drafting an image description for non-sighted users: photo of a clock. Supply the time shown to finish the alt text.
3:13
